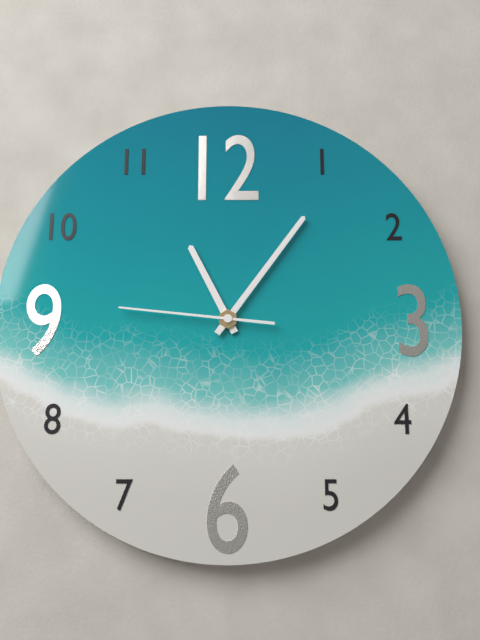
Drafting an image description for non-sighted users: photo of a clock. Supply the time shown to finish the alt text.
11:06:46
